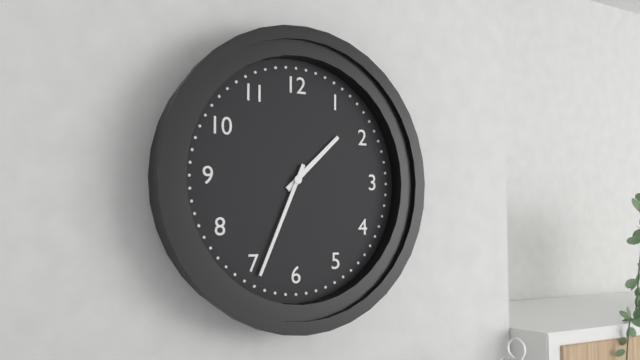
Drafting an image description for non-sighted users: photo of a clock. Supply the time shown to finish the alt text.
1:34
